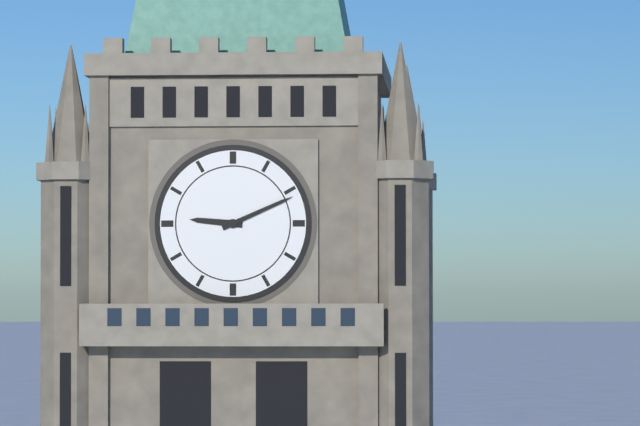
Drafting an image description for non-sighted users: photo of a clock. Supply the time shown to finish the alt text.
9:11
